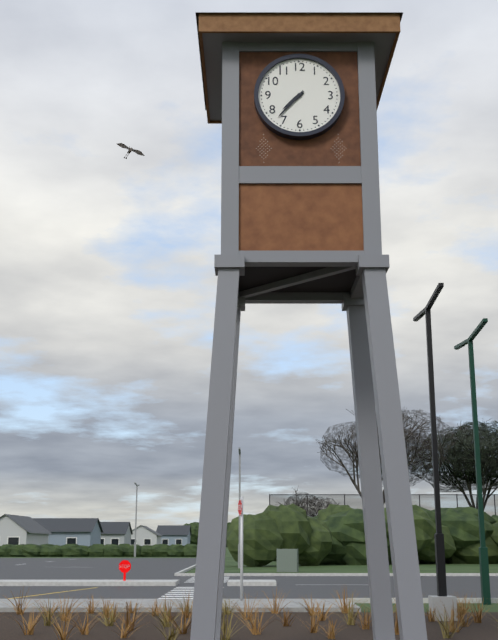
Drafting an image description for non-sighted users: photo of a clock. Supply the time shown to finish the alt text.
7:37
